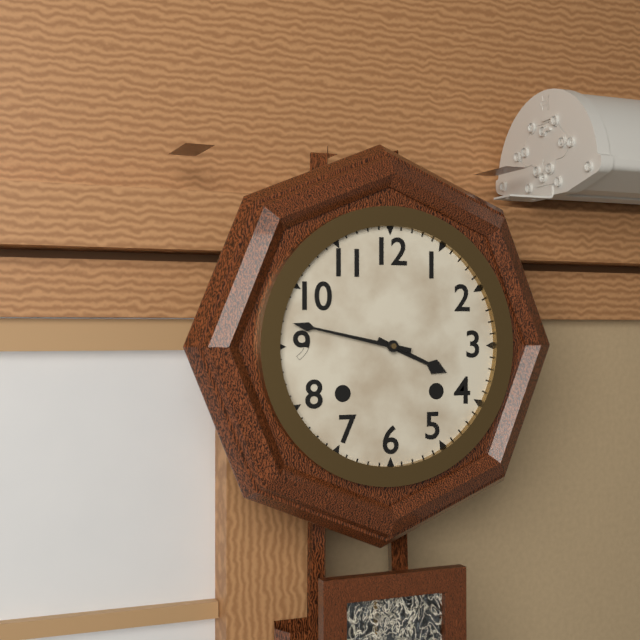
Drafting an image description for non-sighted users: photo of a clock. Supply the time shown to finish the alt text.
3:47
